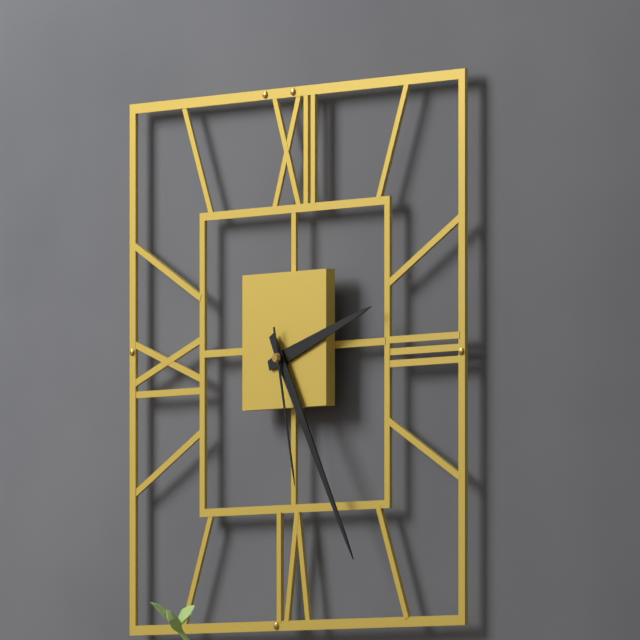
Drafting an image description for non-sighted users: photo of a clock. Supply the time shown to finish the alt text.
2:25:28
